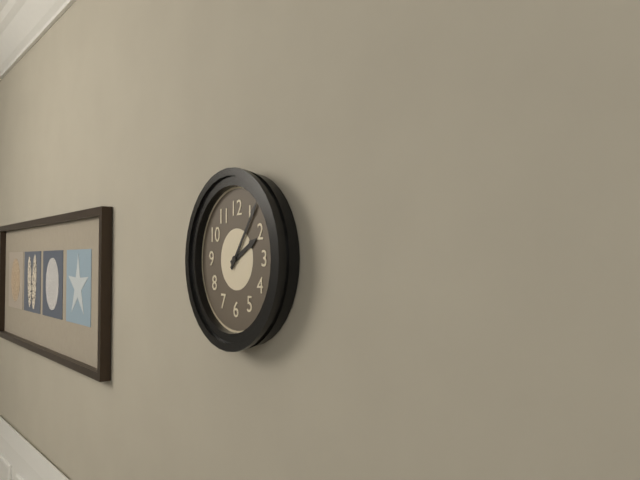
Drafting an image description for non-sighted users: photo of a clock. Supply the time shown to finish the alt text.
2:06
